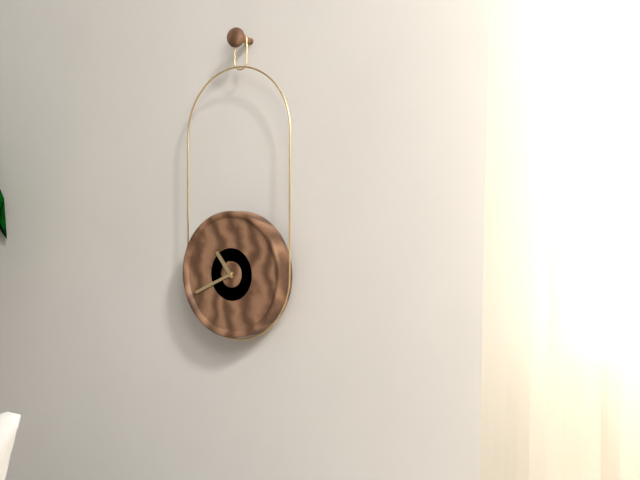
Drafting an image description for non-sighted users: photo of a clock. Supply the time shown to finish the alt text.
10:41
